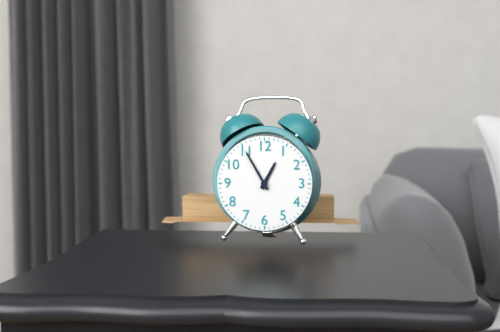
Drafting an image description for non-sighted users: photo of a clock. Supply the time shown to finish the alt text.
12:55
